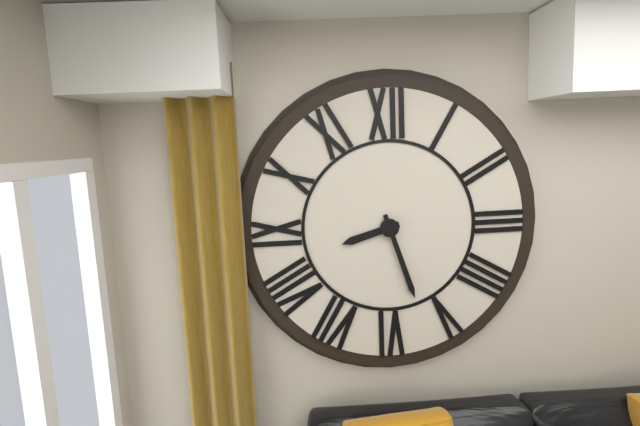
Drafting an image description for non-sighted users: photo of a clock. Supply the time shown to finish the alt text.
8:27
